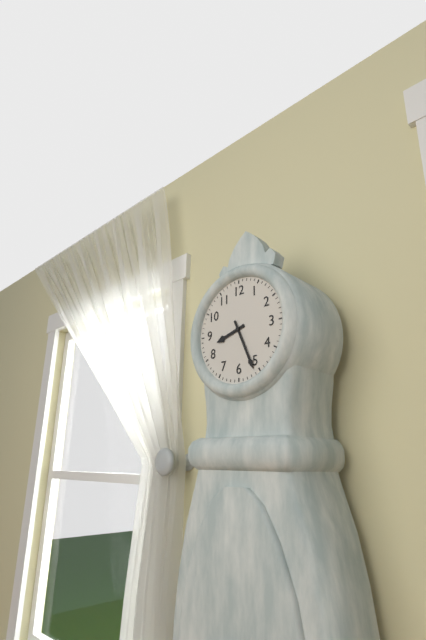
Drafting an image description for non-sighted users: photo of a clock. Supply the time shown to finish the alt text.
8:26
